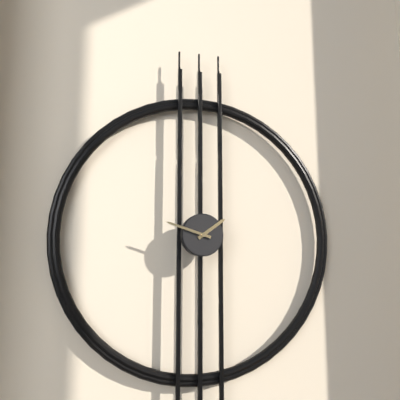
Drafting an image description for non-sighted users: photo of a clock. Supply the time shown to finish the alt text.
1:48
